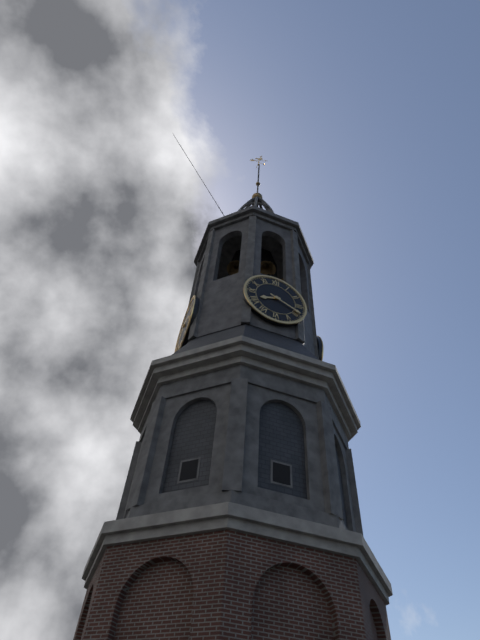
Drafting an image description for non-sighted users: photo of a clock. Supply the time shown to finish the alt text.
8:19
